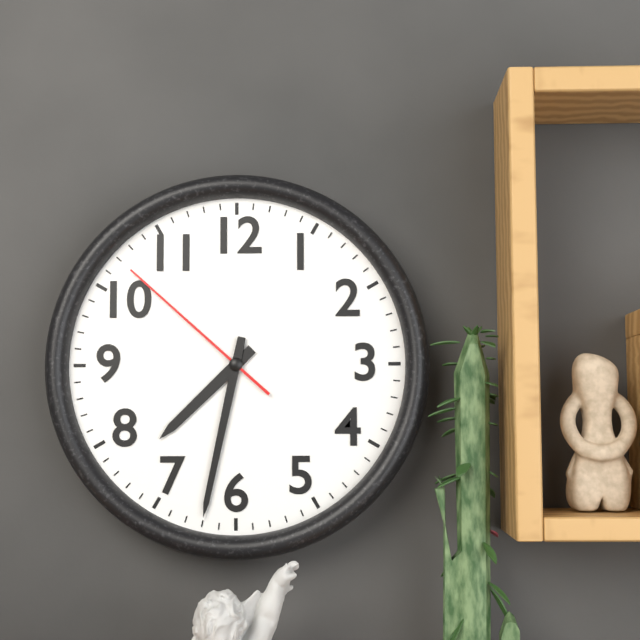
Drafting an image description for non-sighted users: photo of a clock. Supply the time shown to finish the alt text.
7:32:52
